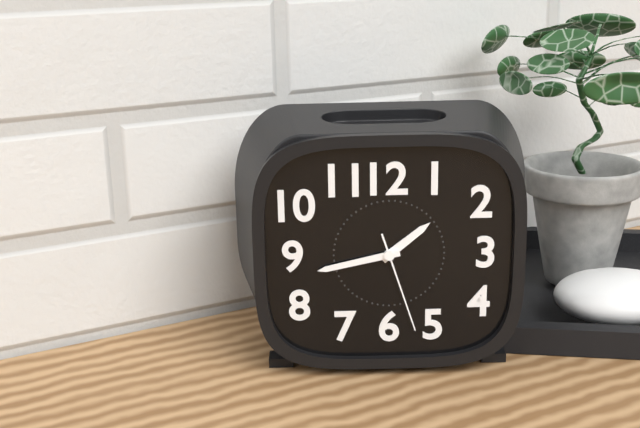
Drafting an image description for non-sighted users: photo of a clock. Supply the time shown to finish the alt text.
1:43:27
